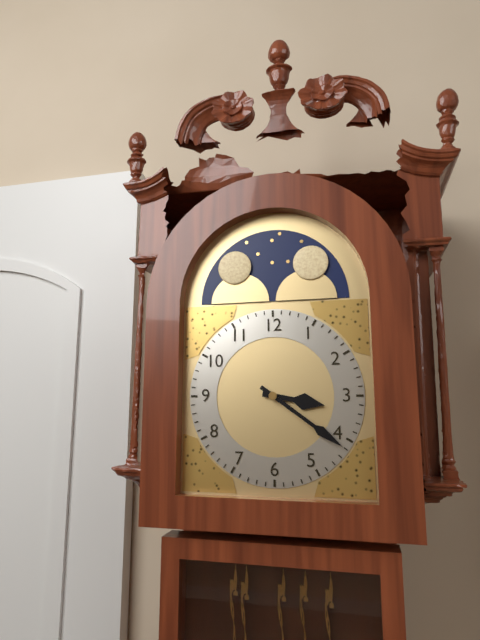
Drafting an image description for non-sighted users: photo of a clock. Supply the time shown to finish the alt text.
3:21
